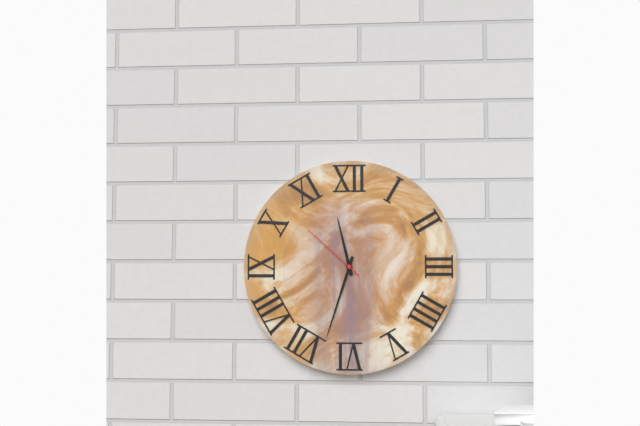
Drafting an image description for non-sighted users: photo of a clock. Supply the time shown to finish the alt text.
11:33:52
